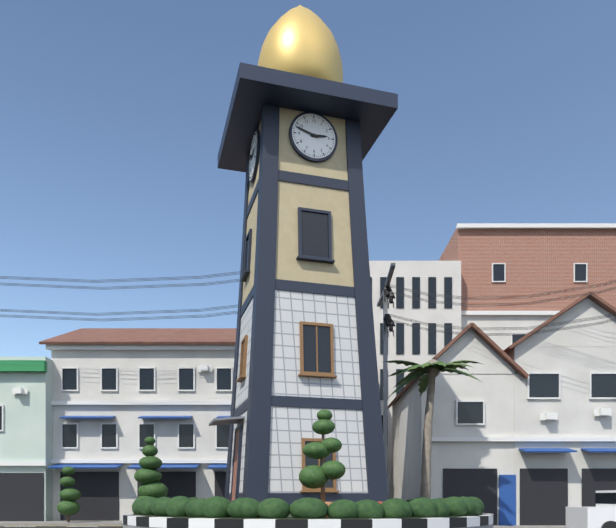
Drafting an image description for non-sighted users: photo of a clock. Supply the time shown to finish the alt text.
2:48
